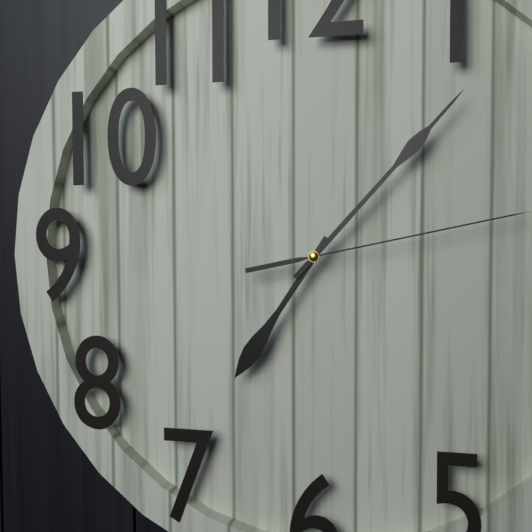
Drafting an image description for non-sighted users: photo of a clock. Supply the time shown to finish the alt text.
7:07
